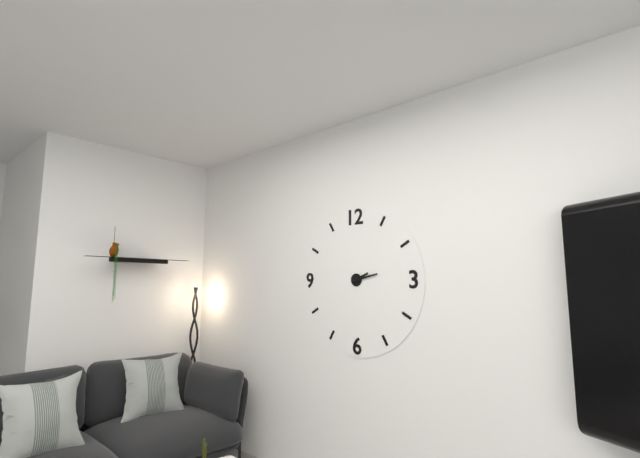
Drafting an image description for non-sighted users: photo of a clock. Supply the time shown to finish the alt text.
2:13
